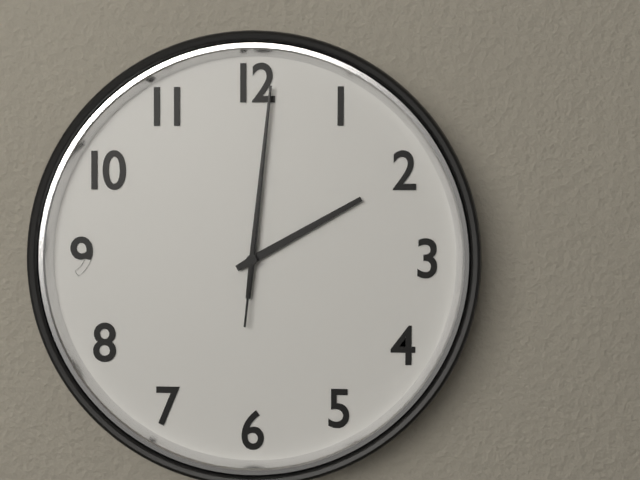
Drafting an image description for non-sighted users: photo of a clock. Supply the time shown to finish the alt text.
2:01:01
